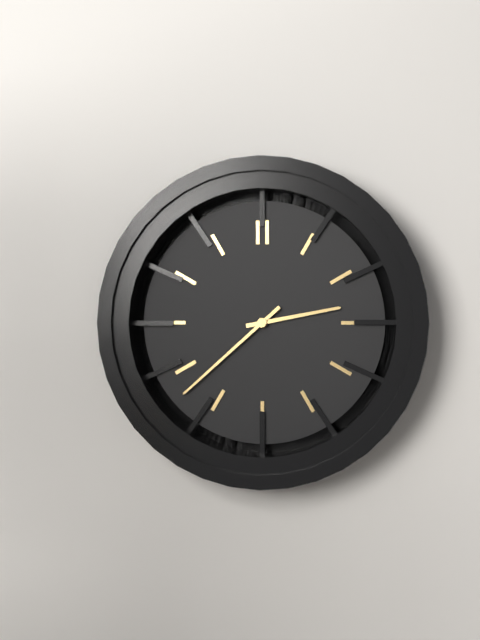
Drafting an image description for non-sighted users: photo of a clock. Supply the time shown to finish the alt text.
2:38
